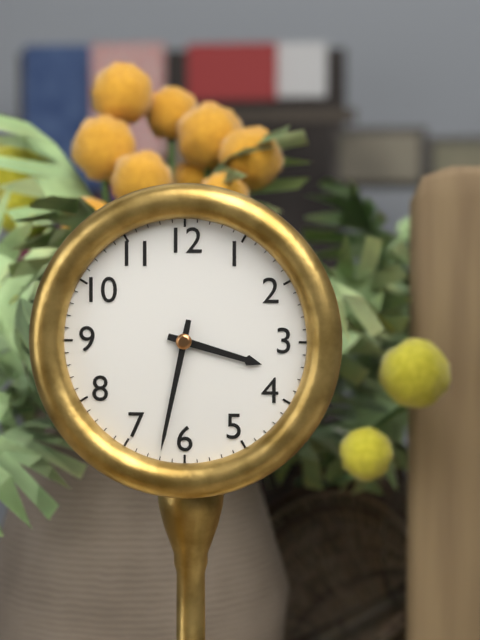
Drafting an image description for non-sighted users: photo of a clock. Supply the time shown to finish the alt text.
3:32
